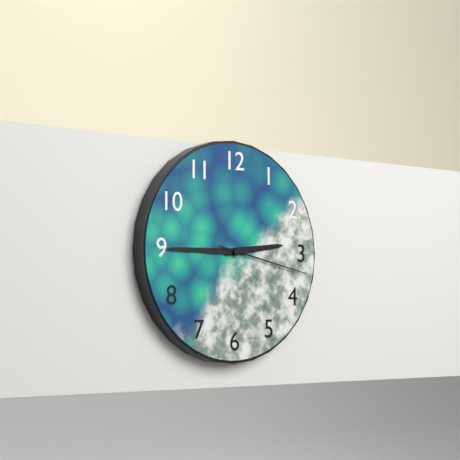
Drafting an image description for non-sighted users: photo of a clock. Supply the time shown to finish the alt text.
2:45:17
